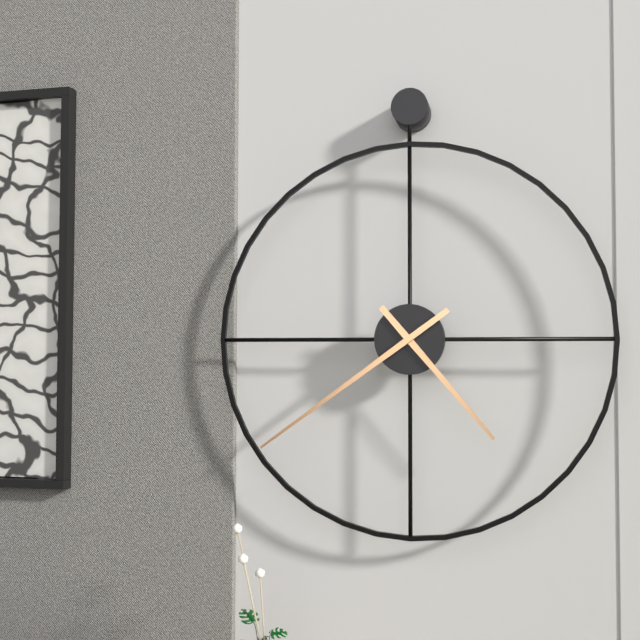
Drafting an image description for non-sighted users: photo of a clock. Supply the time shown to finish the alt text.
4:39
